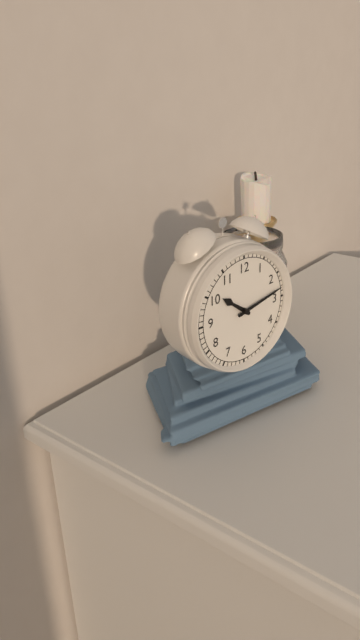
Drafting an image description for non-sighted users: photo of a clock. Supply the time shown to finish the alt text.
10:13
